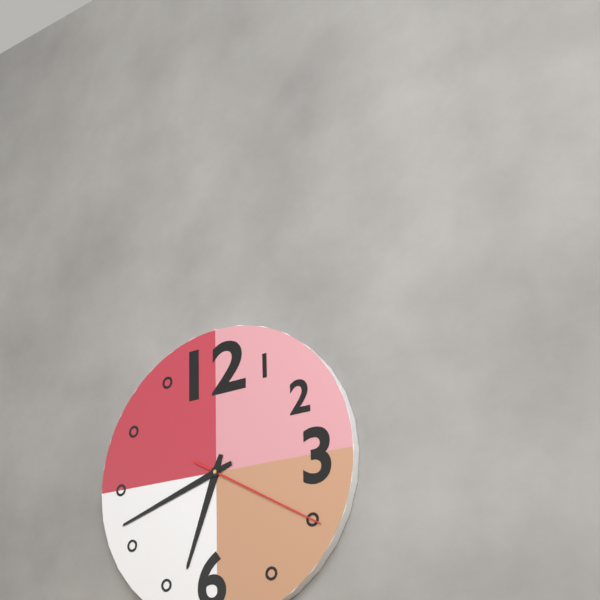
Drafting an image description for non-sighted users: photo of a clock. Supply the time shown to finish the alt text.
6:42:20
